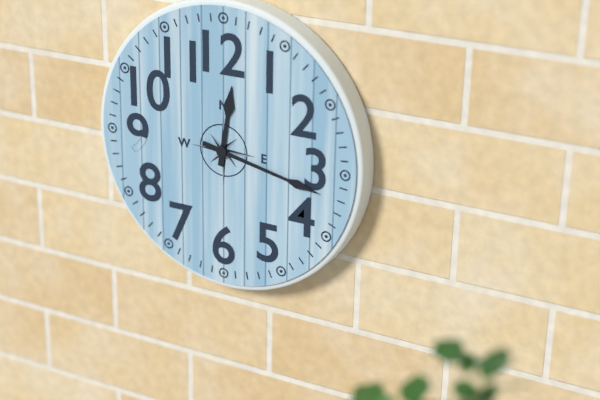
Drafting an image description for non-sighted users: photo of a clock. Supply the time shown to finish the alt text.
12:17
